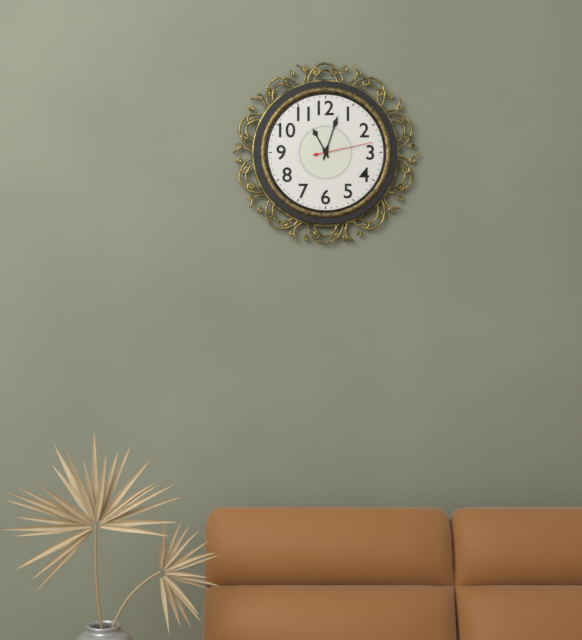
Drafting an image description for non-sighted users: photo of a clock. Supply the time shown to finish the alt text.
11:03:13
